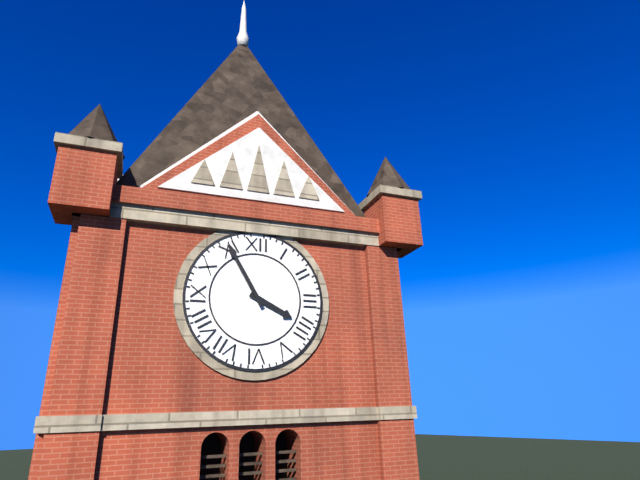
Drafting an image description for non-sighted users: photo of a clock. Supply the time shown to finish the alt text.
3:55
